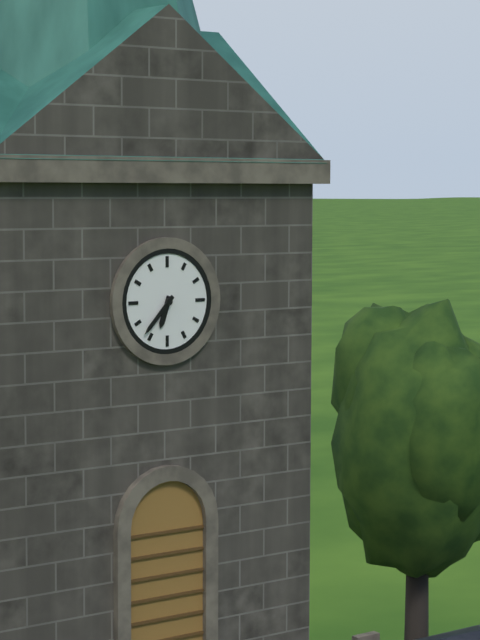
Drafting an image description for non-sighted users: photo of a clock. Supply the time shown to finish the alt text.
6:37
